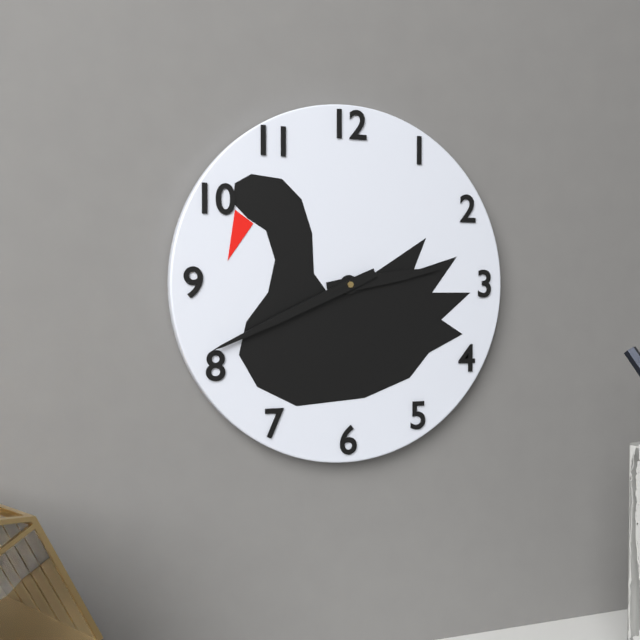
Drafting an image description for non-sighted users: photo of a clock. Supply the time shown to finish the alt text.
2:41
